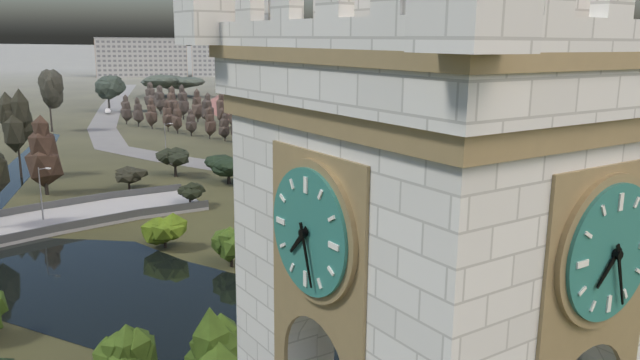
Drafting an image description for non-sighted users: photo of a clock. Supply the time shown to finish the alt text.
7:27
